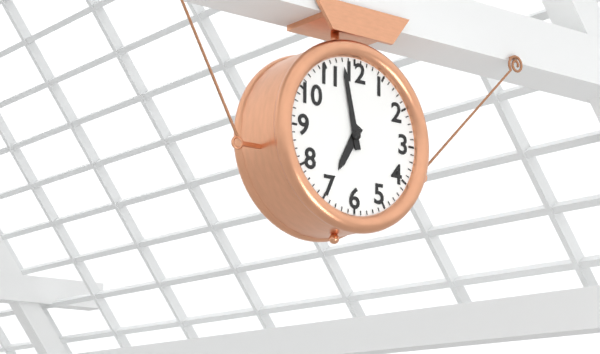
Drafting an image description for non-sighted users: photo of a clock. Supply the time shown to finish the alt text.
6:58
